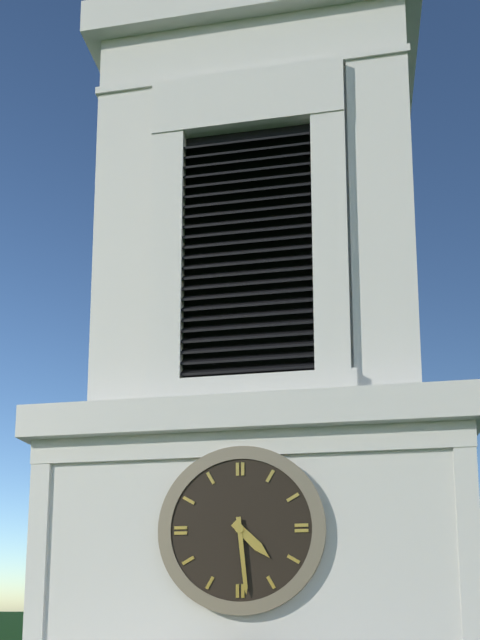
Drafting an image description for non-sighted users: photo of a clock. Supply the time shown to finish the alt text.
4:29
